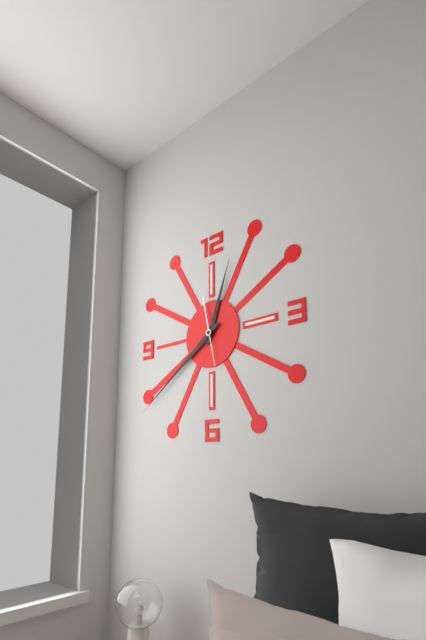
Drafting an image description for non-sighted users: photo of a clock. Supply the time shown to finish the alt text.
12:39:28
